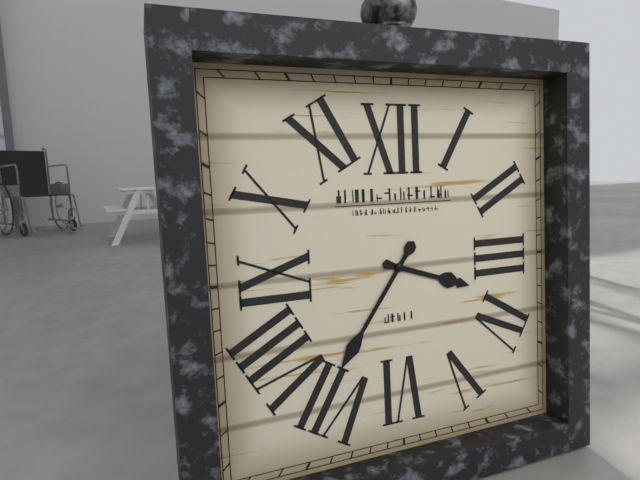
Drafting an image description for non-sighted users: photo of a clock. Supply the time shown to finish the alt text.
3:36
